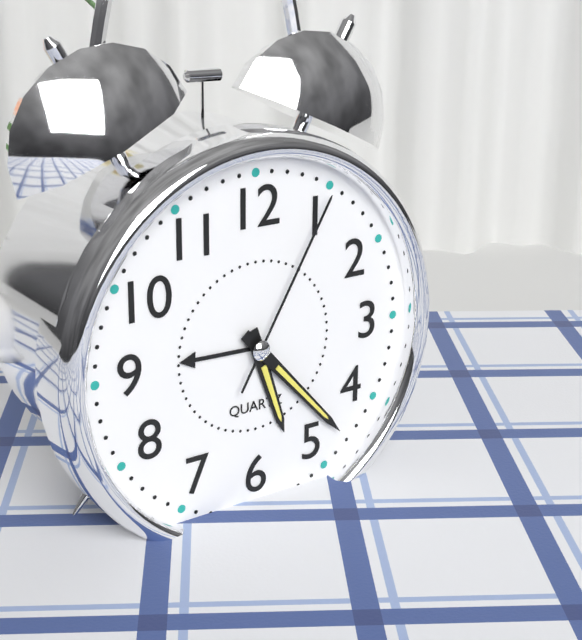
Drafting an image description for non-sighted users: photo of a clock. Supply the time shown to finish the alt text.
5:23:05
